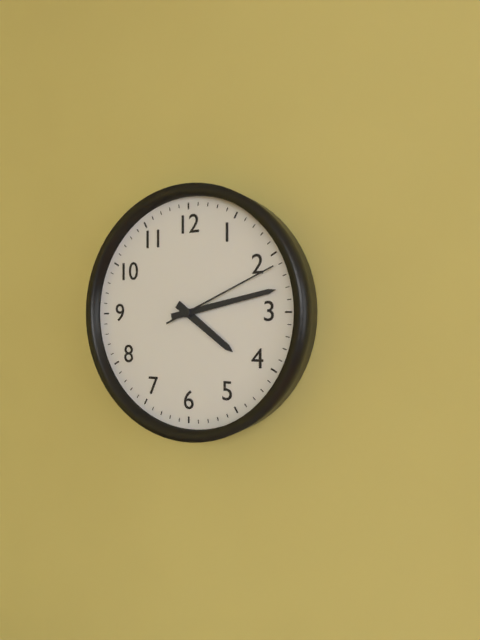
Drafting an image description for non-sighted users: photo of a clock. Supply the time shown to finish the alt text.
4:13:11
